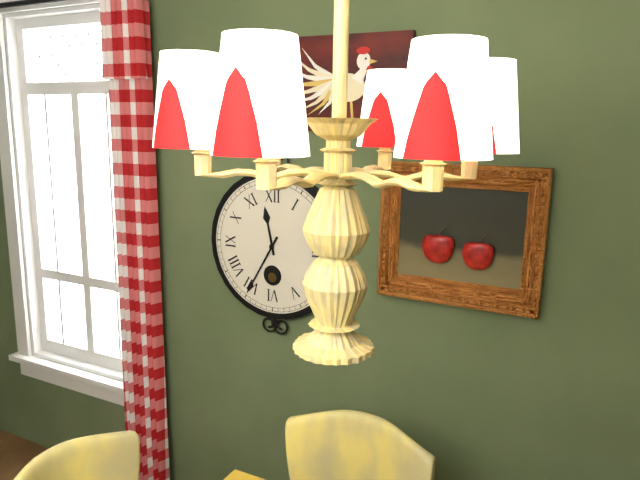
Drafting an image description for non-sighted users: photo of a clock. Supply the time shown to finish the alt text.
11:35
